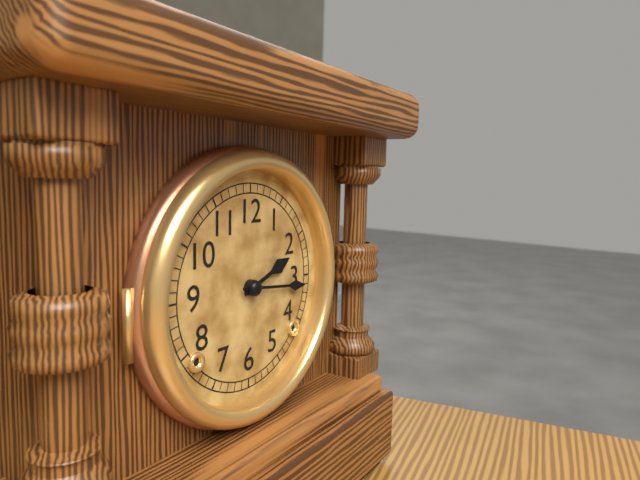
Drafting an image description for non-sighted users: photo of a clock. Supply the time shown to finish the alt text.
2:16
